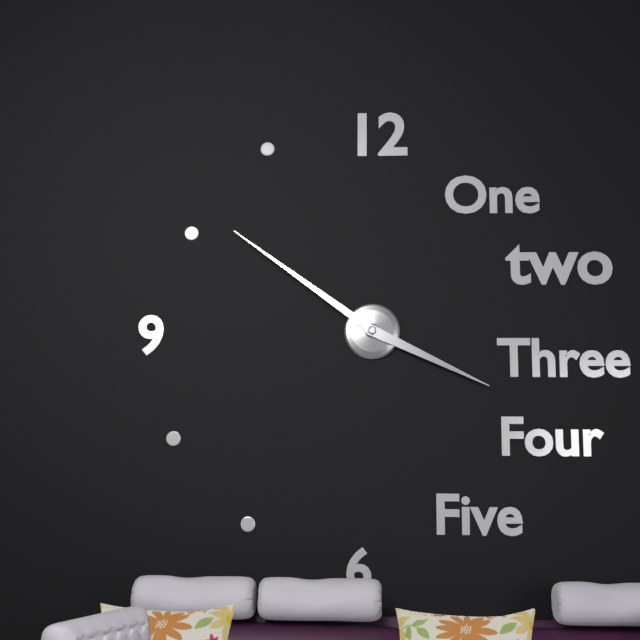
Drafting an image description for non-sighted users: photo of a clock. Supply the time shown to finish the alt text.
3:51
